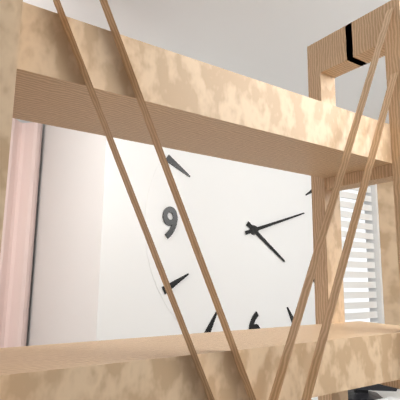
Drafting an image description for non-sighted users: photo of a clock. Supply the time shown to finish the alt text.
4:12
